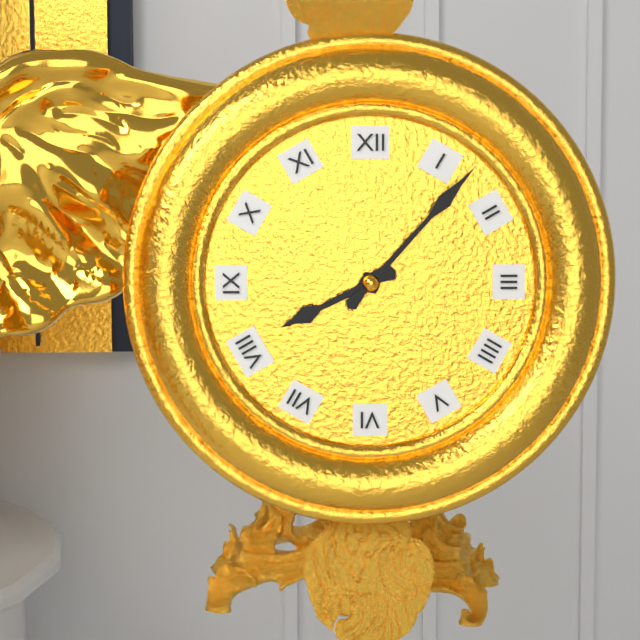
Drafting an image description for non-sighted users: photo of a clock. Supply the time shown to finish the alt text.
8:07
